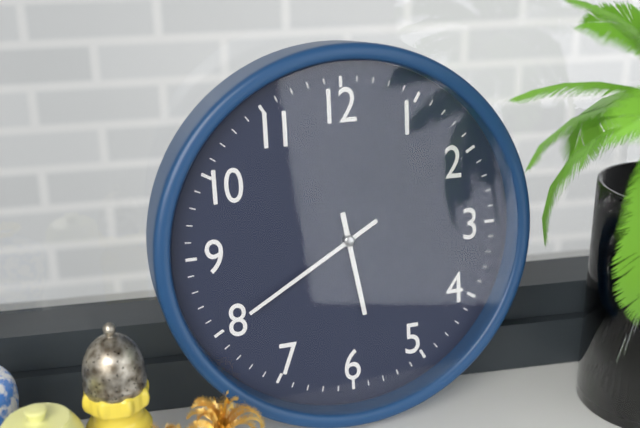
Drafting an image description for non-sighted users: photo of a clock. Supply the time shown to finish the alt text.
5:40
